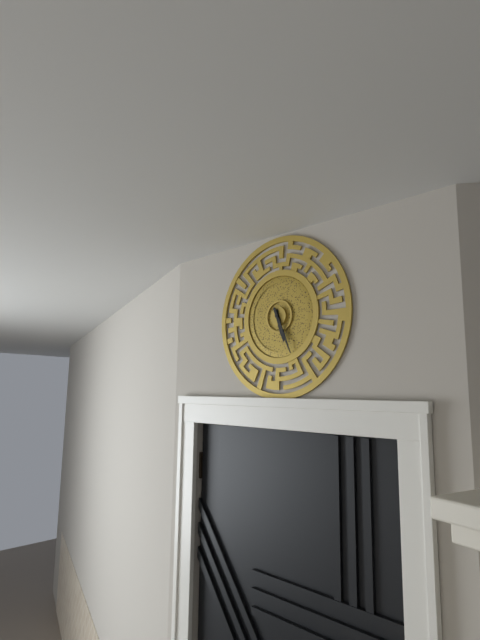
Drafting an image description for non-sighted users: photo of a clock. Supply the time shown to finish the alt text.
5:26
